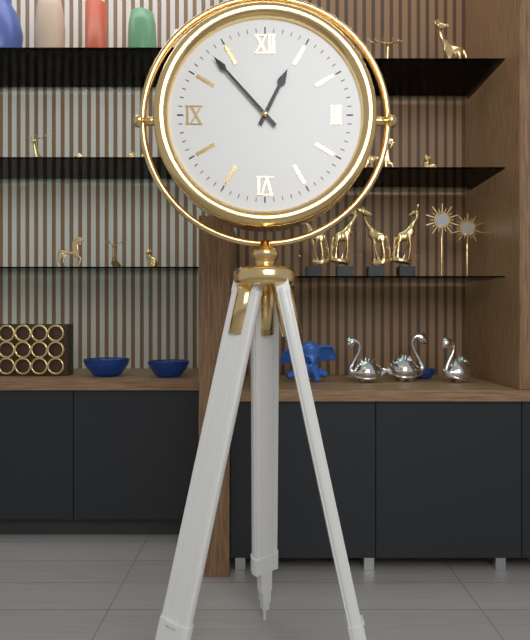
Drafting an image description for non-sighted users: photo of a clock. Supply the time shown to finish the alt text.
12:53
